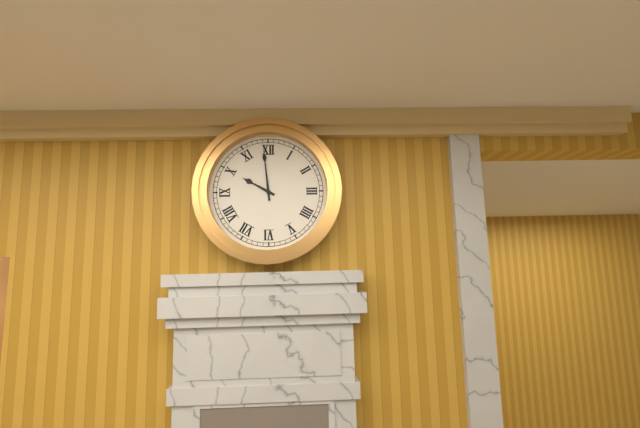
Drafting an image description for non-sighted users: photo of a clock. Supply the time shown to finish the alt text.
9:59
